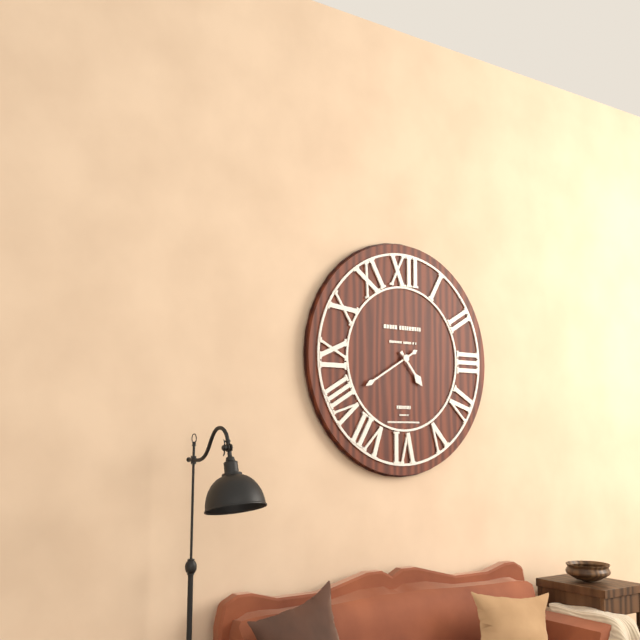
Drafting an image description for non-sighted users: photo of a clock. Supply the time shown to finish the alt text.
4:40
